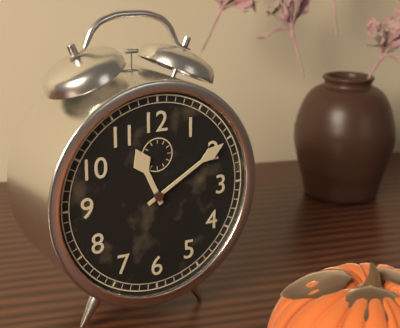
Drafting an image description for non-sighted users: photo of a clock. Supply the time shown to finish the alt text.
11:10
